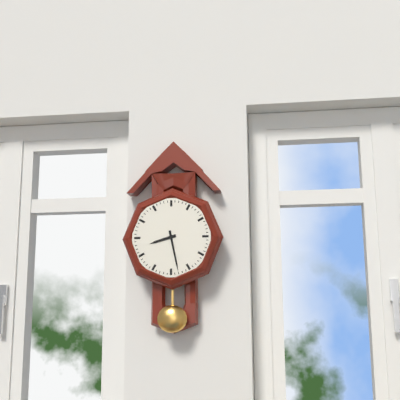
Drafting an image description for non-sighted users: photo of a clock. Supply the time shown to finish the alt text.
8:28
